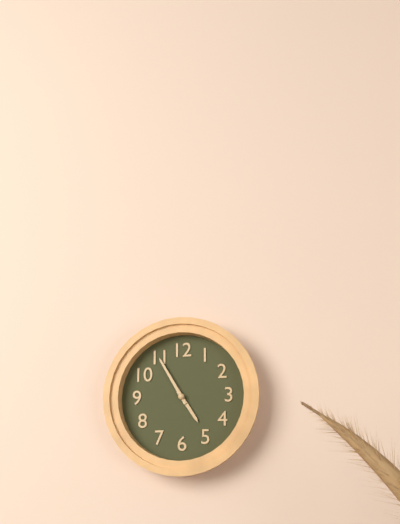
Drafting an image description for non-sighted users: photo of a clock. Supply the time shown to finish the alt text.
4:55
